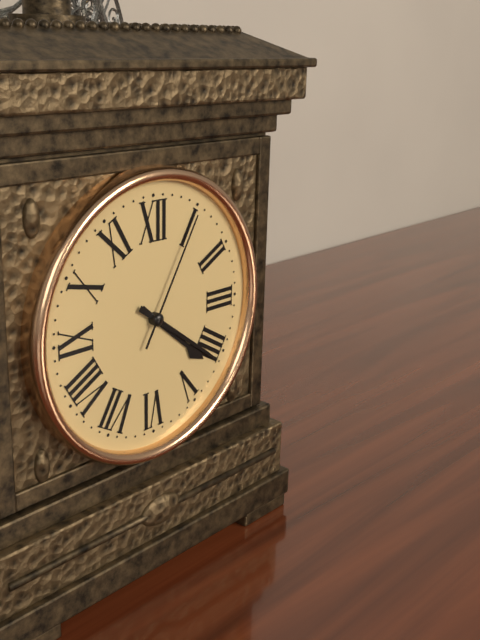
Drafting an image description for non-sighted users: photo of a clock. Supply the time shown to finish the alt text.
4:21:05
